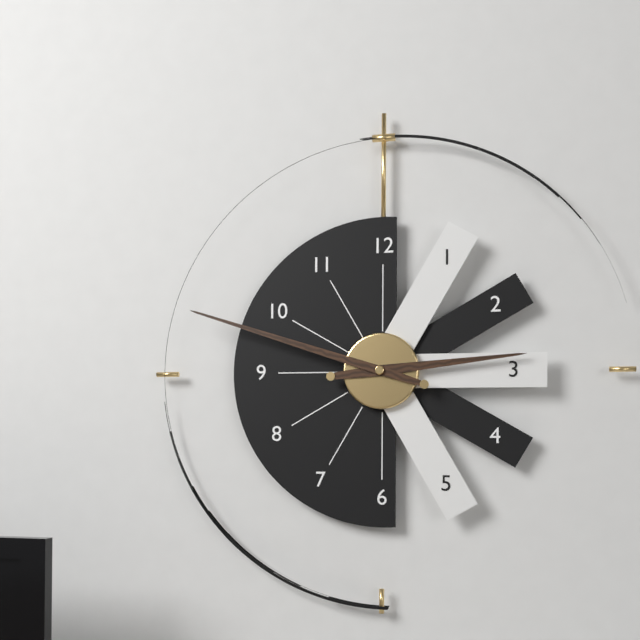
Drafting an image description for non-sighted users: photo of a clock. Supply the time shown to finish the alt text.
2:48
